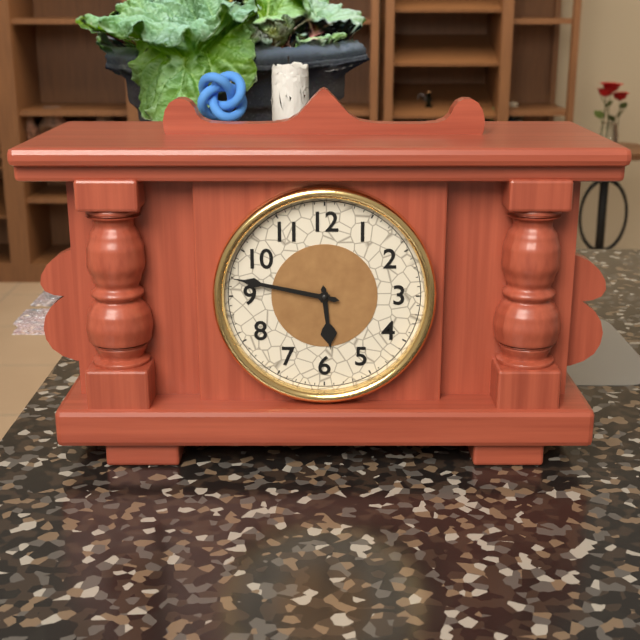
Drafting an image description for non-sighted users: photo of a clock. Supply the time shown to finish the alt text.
5:47
